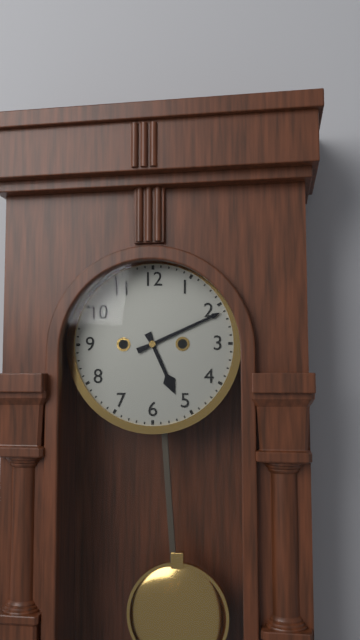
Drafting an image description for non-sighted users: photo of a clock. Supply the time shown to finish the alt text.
5:11
